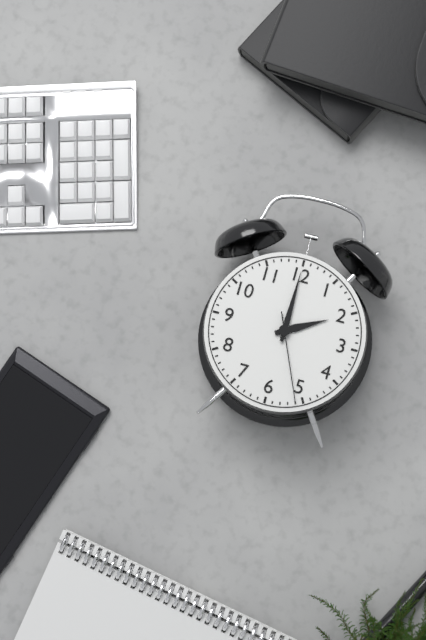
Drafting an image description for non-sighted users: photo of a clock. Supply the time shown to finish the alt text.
2:00:26
